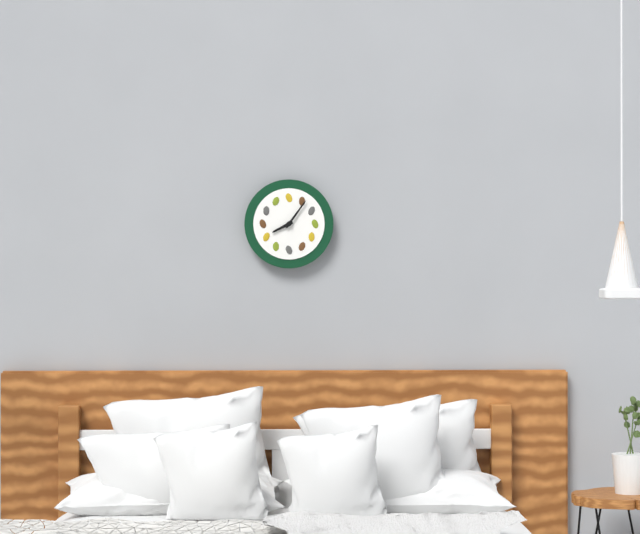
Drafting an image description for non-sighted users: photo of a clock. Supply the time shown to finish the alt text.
8:06
